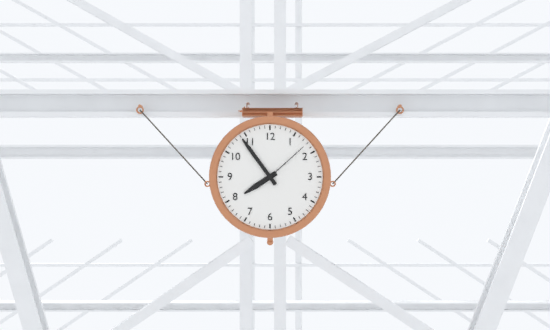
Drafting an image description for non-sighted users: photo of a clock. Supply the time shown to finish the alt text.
7:54:08
